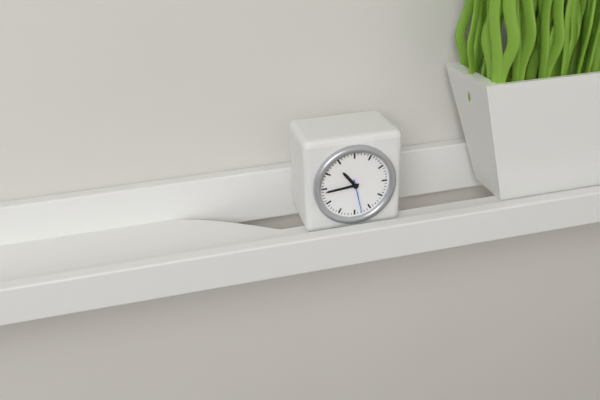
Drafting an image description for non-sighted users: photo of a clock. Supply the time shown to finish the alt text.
10:44
